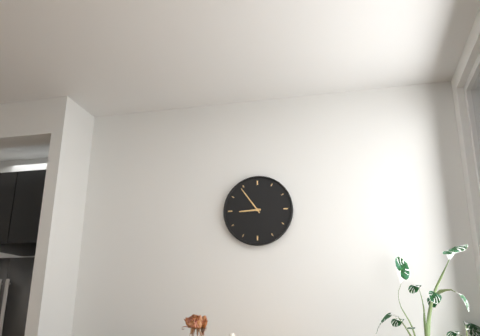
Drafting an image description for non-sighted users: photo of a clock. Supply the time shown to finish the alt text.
8:54
